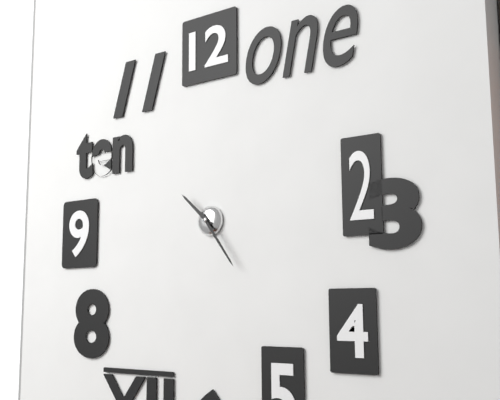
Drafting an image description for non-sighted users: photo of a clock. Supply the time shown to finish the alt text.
10:24
